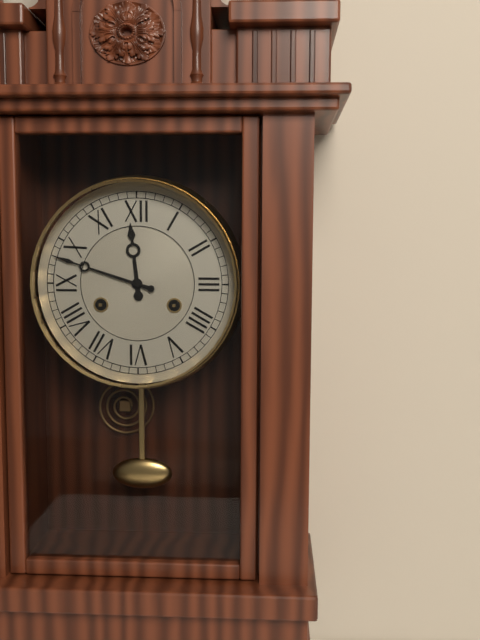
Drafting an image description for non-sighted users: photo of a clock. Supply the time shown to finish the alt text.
11:48
